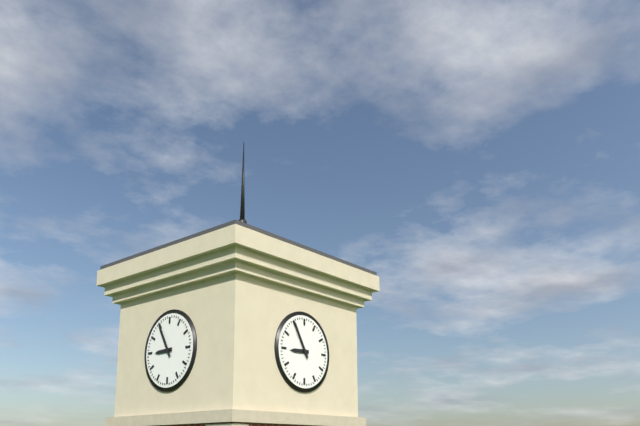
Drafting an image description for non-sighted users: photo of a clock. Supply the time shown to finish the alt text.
8:55
